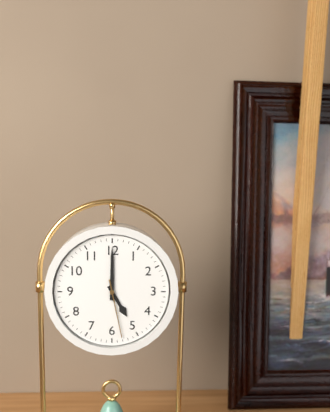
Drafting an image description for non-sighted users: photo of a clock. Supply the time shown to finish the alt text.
5:00:28
